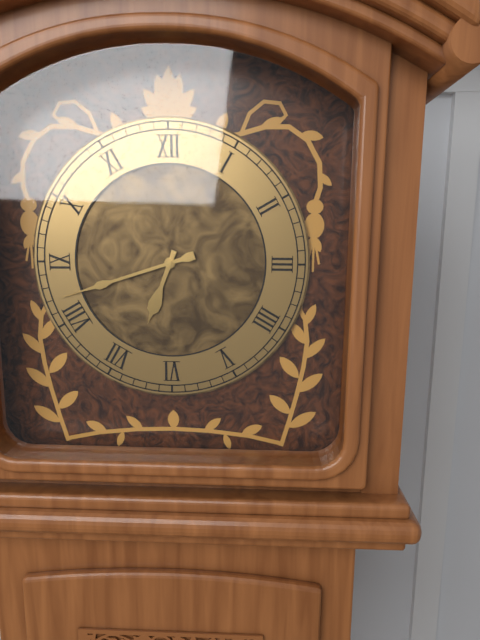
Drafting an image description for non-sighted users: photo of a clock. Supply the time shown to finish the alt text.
6:42
